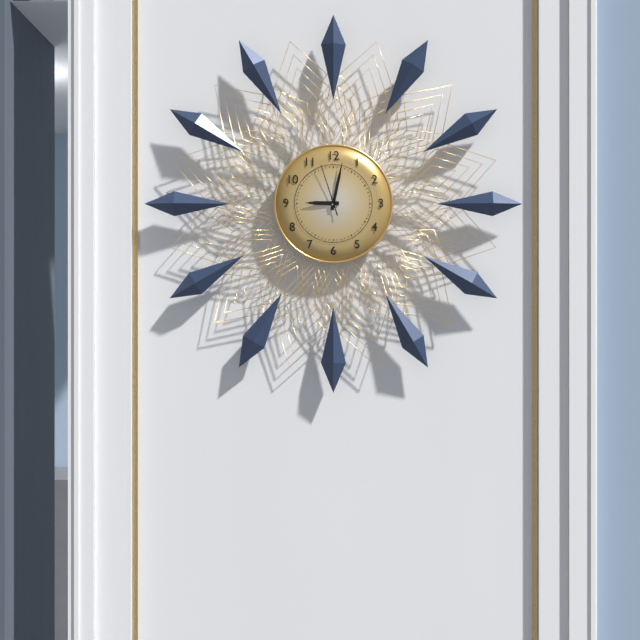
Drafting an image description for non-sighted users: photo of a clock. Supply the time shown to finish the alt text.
9:02:57
